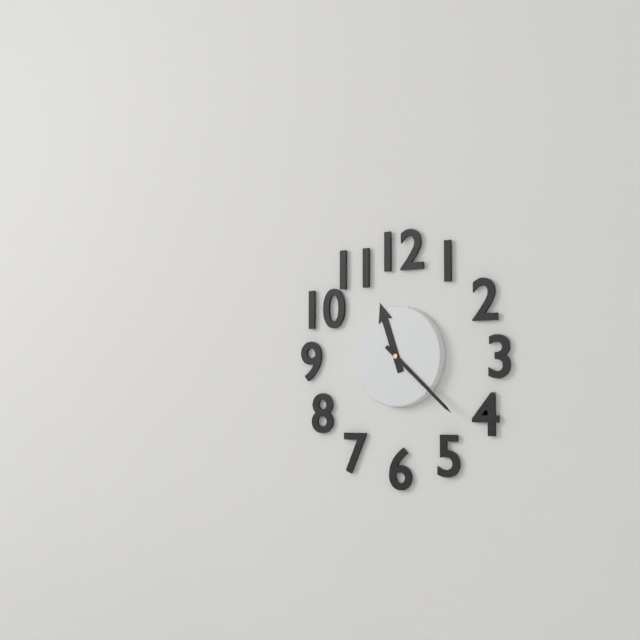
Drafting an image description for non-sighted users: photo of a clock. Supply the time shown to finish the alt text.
11:22
